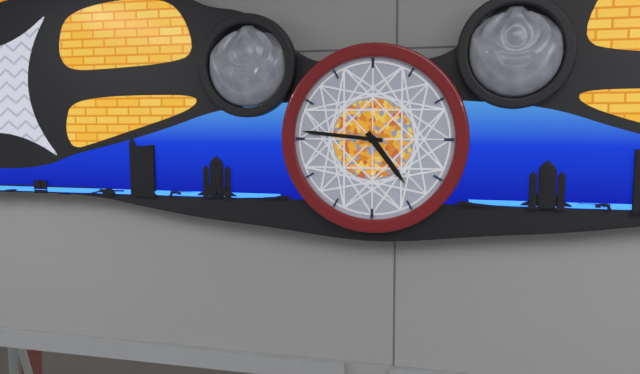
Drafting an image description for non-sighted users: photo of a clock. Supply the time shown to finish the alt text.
4:46
